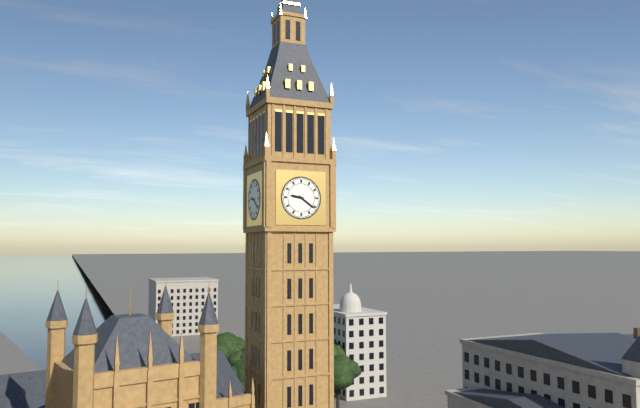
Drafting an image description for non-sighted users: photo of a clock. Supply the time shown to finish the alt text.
9:21
